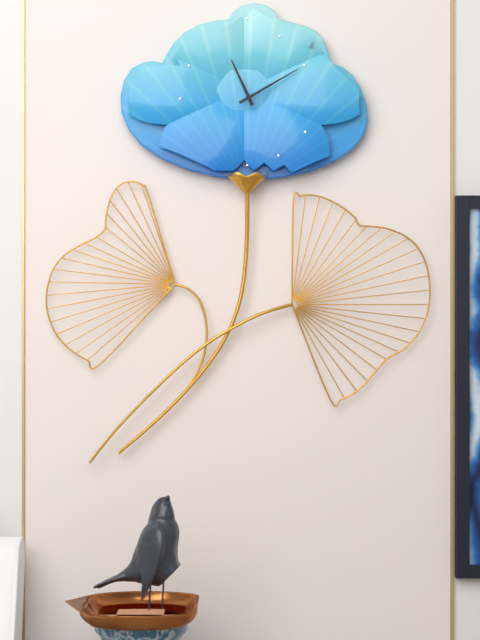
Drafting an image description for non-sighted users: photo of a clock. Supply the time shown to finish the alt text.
11:10
